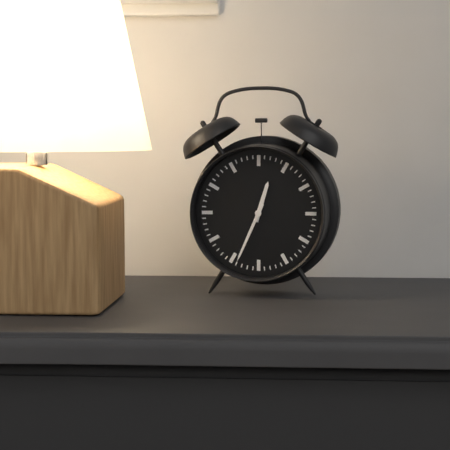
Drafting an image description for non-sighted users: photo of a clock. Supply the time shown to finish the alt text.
12:34
